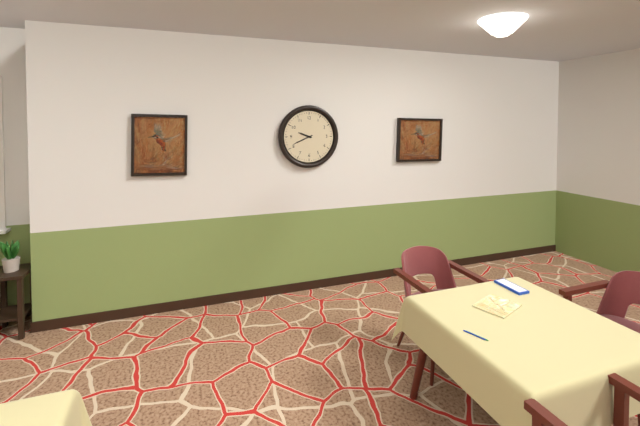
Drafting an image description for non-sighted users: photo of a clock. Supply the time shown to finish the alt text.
9:41
